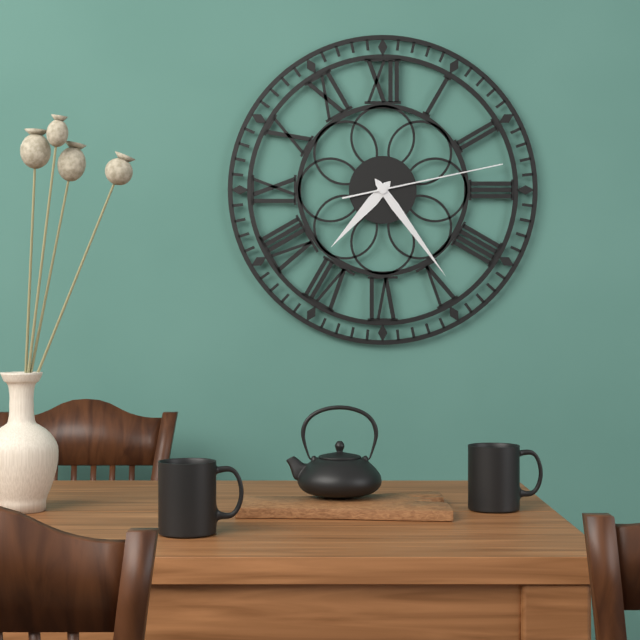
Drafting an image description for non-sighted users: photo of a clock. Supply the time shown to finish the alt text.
7:24:13
